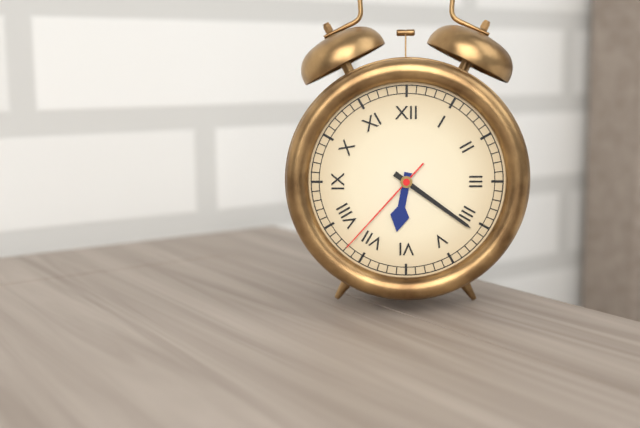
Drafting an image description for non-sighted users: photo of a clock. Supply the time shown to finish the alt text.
6:21:37
